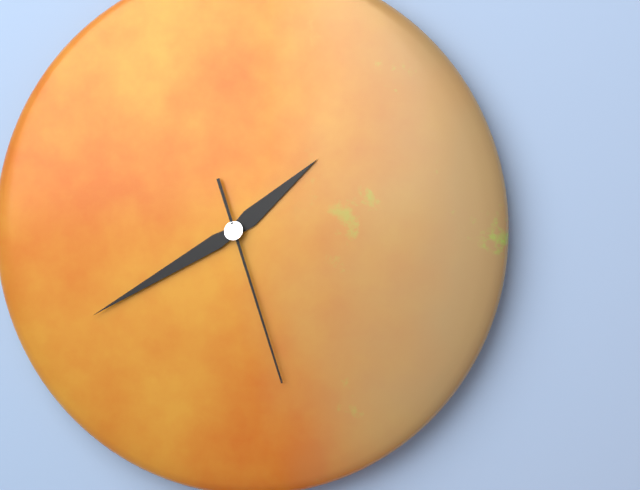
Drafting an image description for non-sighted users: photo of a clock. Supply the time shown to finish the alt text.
1:40:27
